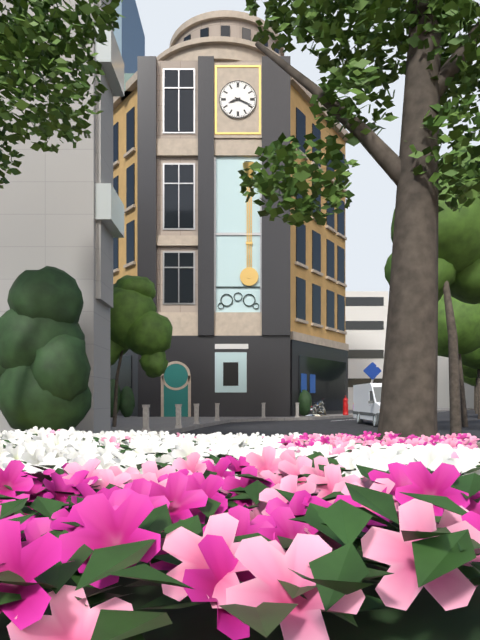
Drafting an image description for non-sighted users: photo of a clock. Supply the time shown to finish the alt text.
8:19
